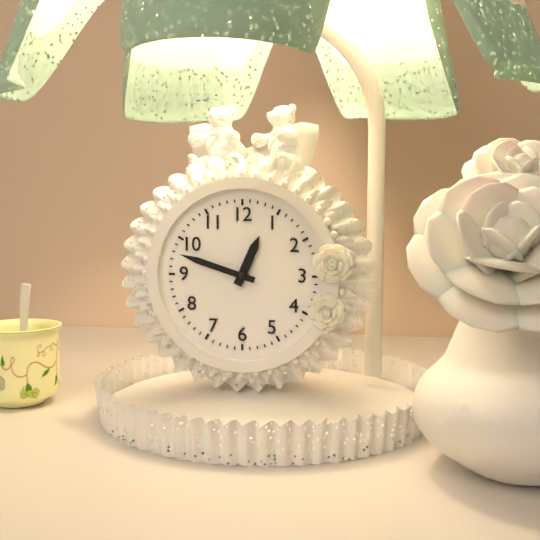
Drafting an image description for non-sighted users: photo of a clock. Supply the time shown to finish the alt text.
12:48
